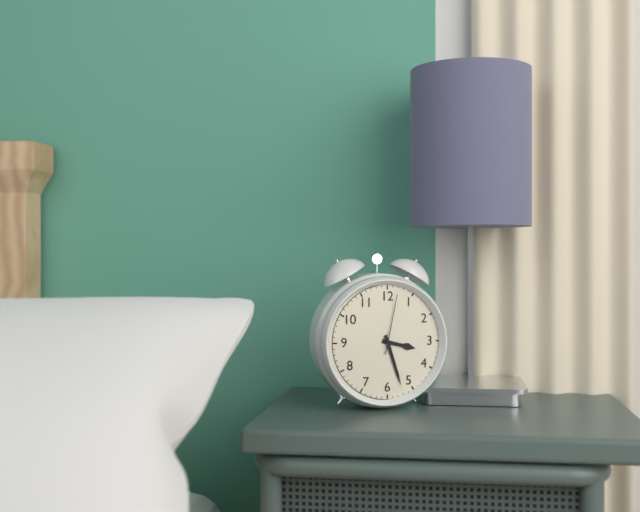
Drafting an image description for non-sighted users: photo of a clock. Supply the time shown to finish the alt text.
3:27:02
